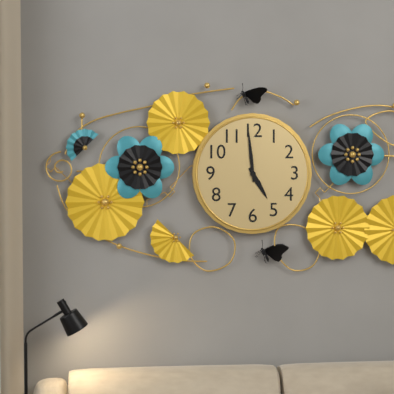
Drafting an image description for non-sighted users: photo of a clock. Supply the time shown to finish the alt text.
4:59
